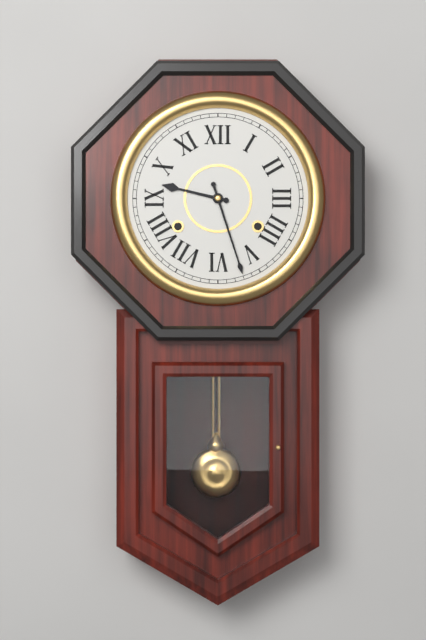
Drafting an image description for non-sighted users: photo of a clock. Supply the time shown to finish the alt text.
9:27
